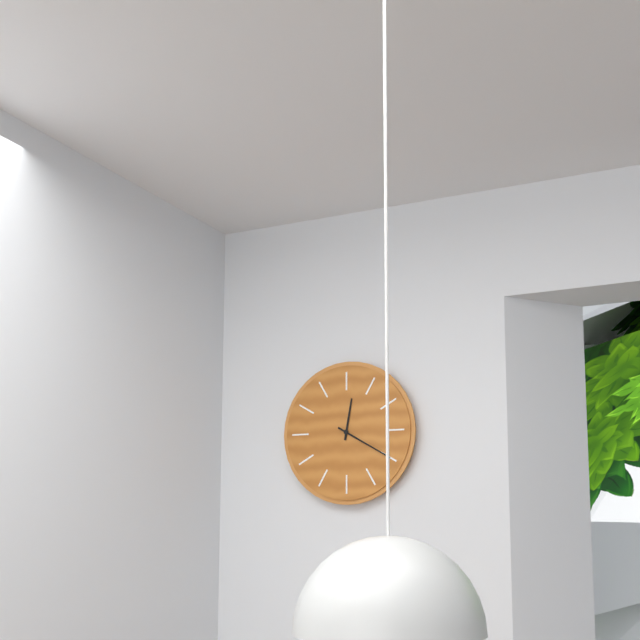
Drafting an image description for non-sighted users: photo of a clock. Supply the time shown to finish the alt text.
12:20
